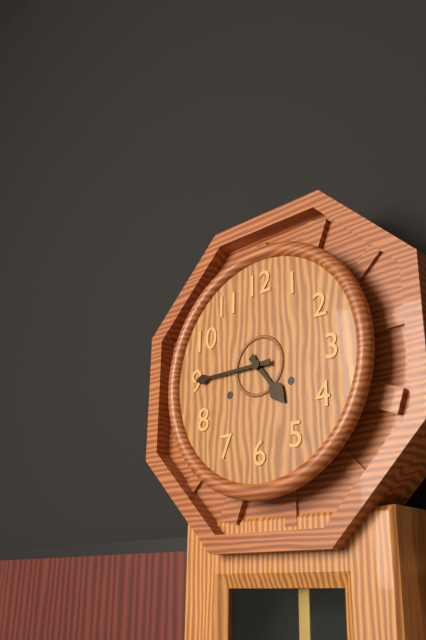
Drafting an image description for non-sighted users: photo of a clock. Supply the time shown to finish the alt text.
4:45
